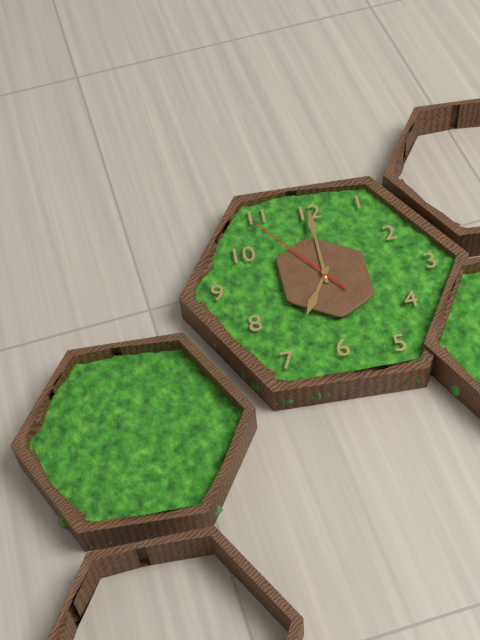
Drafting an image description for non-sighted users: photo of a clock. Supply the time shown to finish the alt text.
7:00:54
